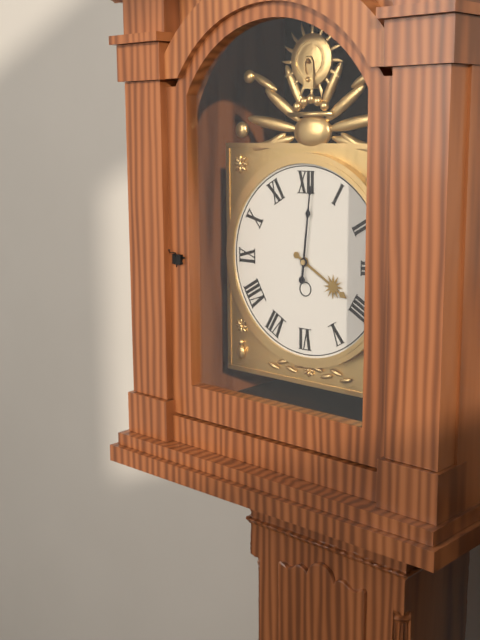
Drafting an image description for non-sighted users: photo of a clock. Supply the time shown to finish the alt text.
4:01
